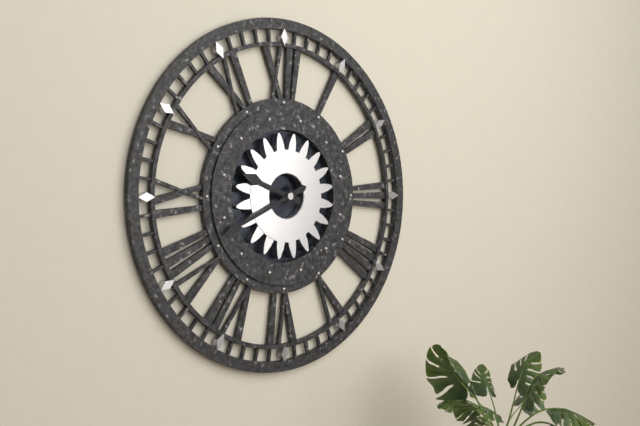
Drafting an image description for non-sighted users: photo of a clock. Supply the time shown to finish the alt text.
9:41
